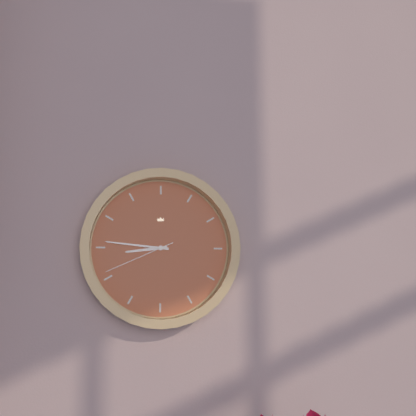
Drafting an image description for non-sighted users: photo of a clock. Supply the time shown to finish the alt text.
8:46:41
